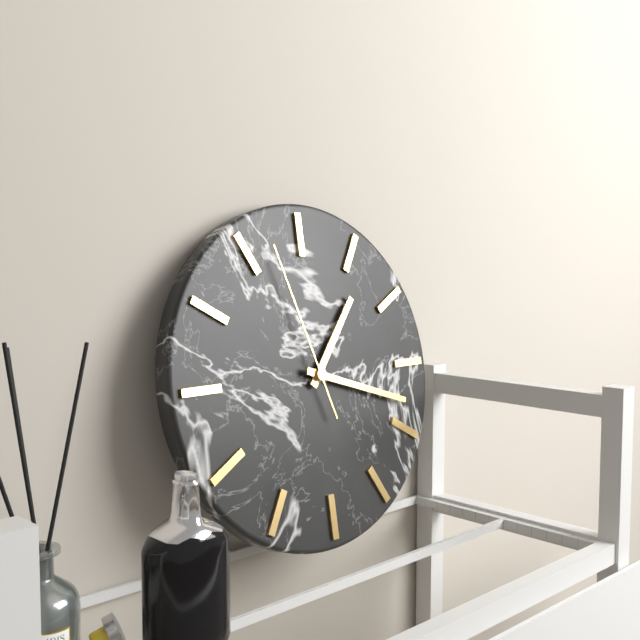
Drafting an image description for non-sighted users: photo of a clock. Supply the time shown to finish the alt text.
1:18:57
